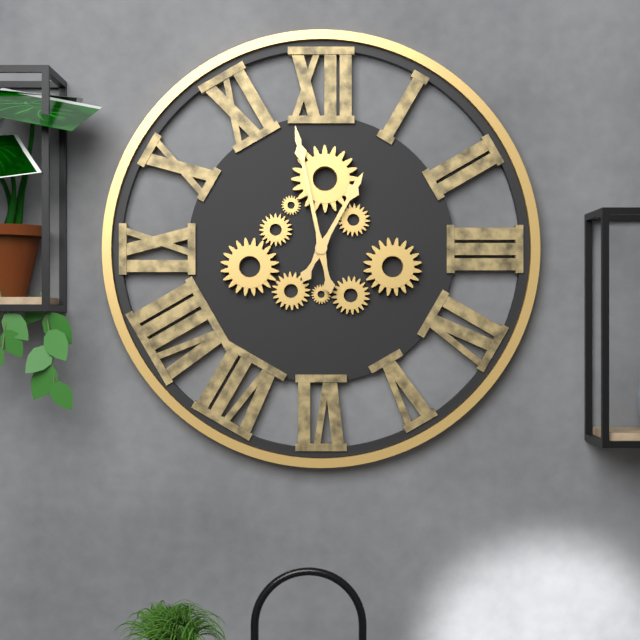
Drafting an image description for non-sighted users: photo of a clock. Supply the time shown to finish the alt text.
12:58
